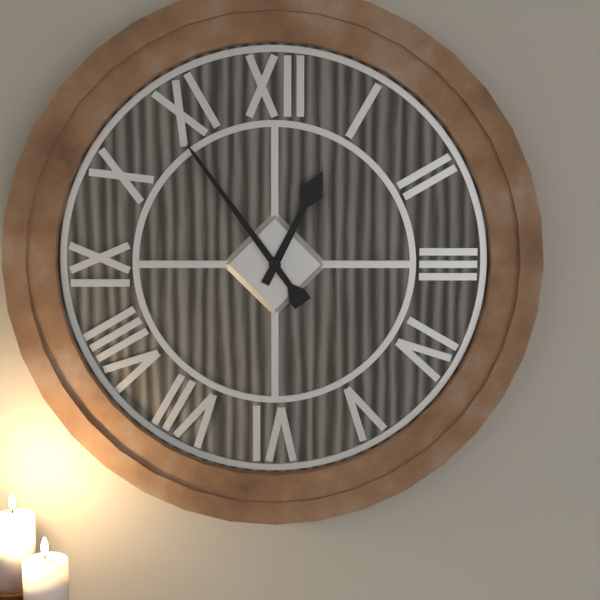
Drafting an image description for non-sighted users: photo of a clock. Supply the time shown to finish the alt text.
12:54
